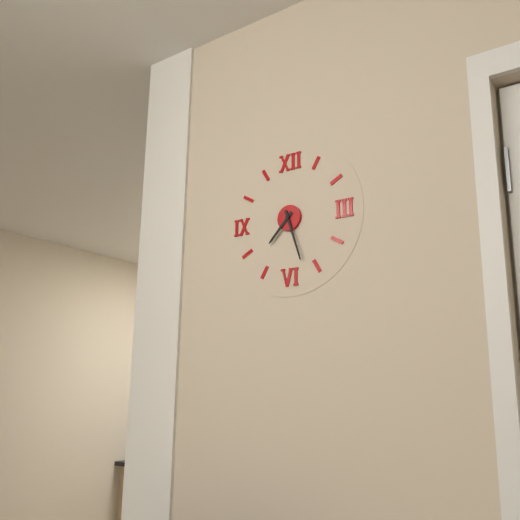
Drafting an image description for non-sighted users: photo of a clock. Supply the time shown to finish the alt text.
7:27
